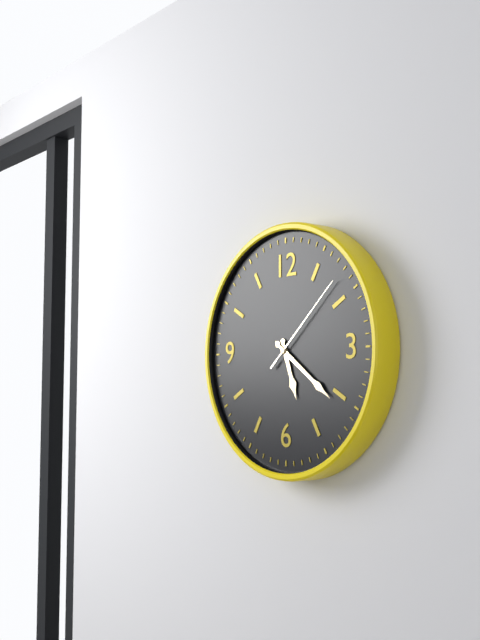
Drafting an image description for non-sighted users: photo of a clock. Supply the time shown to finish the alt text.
5:21:08
